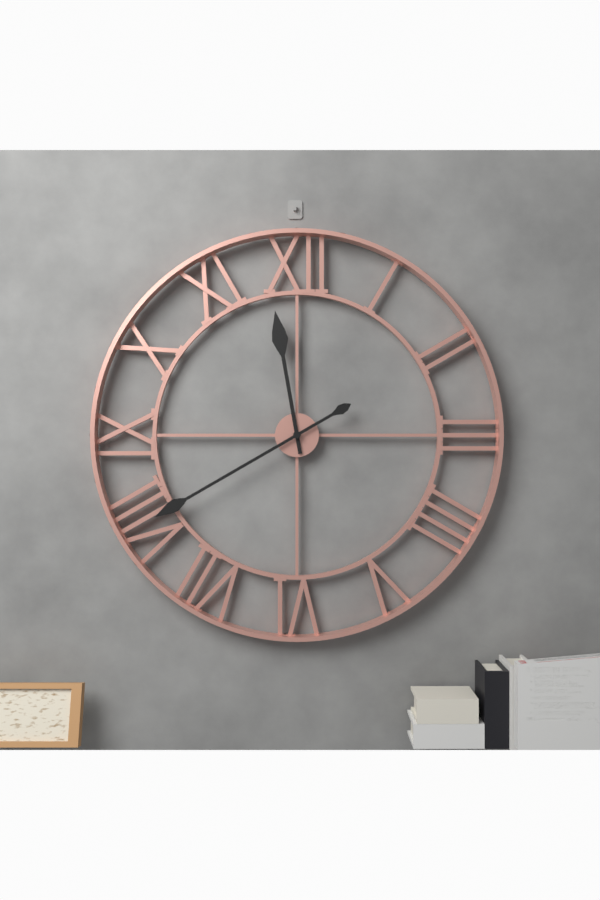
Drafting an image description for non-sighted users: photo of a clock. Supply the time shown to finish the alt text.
11:40
